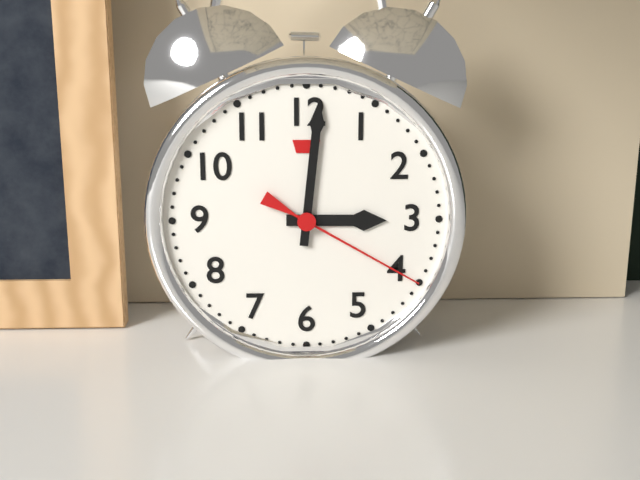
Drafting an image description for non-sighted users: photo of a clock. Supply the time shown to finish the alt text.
3:01:20
